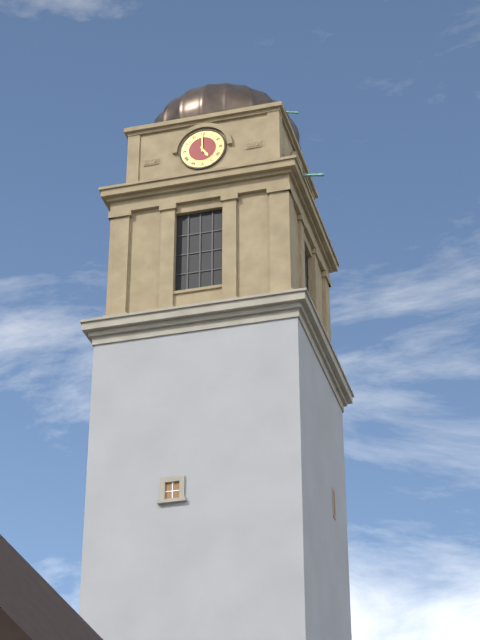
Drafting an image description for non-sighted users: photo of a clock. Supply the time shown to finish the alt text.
5:00
